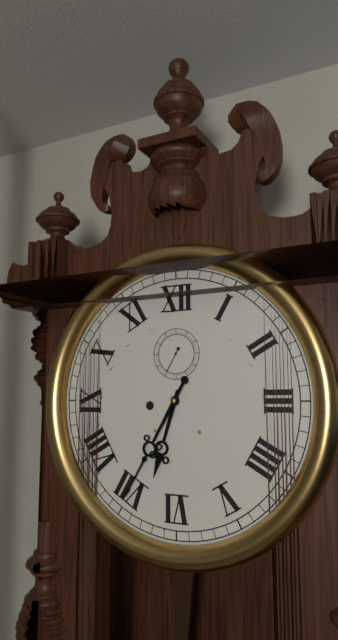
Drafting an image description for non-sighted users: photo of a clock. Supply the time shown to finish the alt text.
6:35
